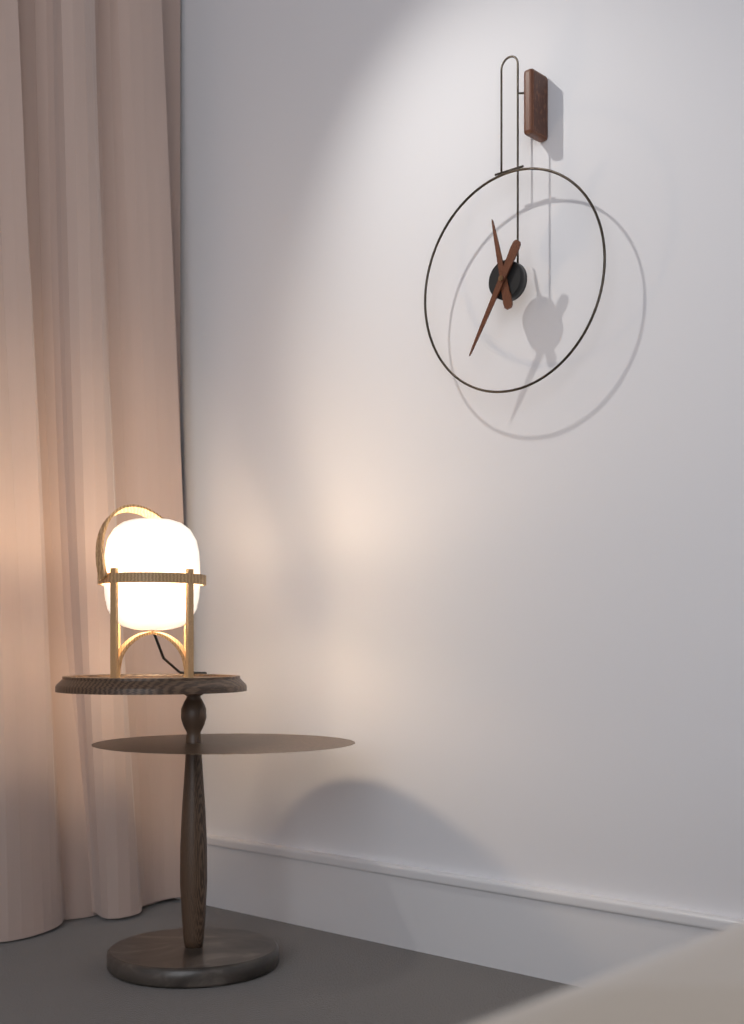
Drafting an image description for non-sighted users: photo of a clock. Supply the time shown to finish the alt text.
11:35
